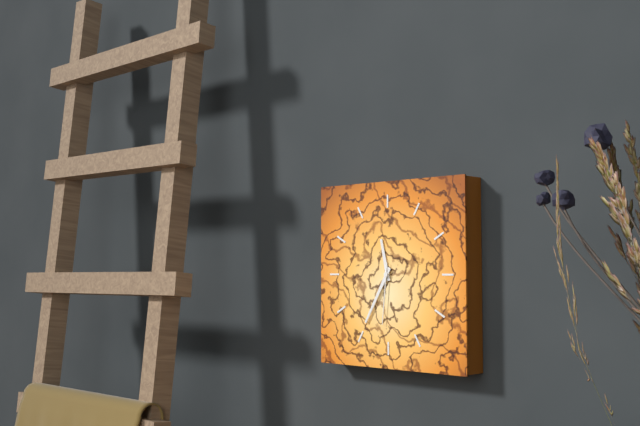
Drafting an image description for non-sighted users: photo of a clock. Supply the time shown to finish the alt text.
11:35:31
